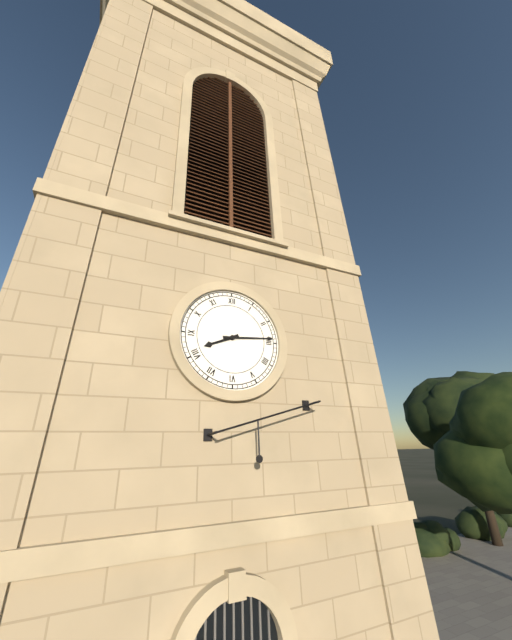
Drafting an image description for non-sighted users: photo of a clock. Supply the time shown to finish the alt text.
8:14
